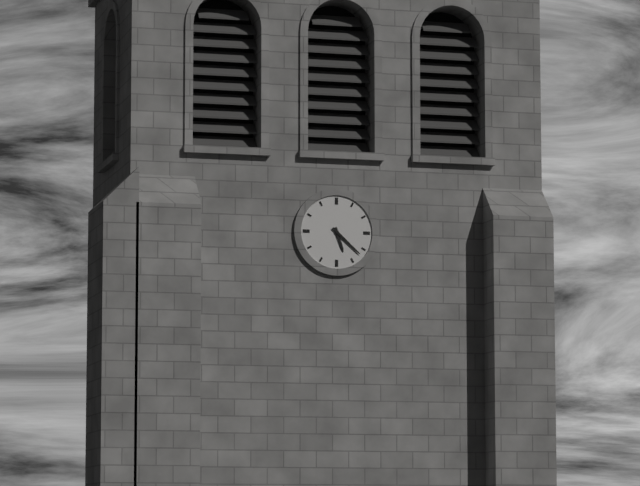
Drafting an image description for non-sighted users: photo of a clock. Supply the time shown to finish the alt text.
5:22
